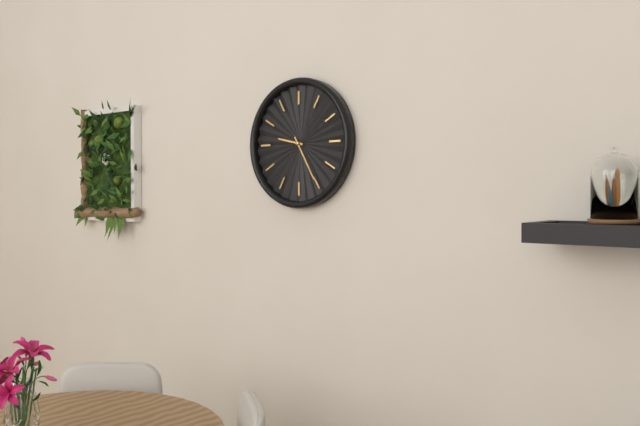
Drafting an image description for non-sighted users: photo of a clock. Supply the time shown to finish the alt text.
9:25
